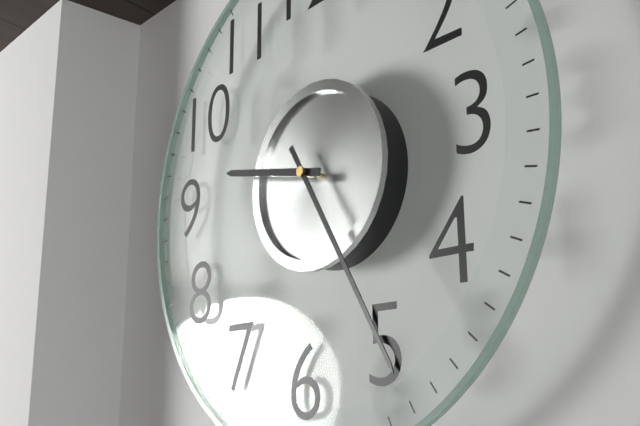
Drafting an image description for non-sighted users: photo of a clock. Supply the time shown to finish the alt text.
9:25
